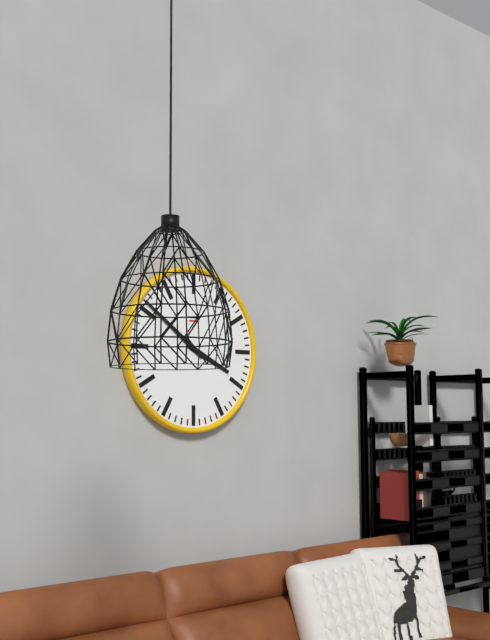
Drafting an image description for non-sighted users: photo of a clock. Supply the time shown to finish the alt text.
3:51
